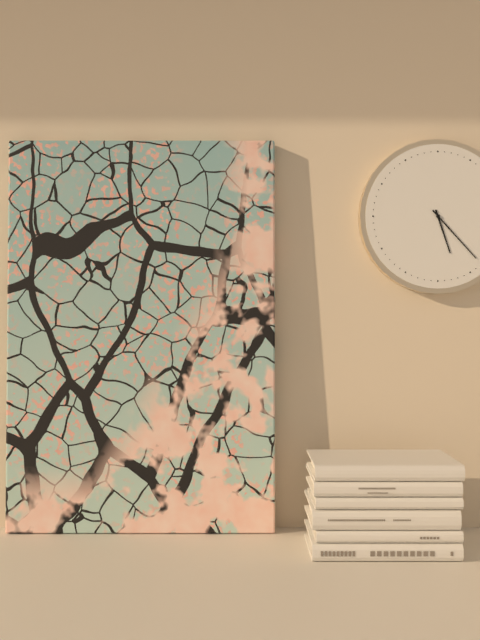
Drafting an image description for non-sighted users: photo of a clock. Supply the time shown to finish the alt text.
5:23
